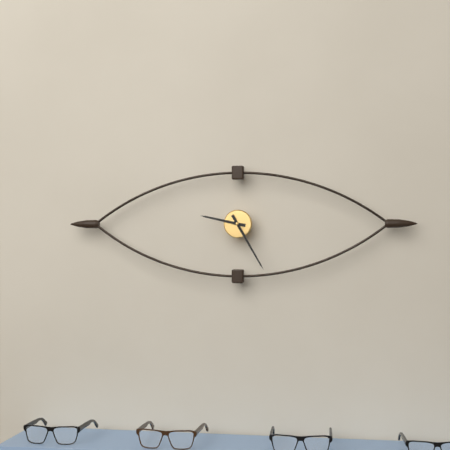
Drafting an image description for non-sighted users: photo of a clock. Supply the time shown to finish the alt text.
9:25
